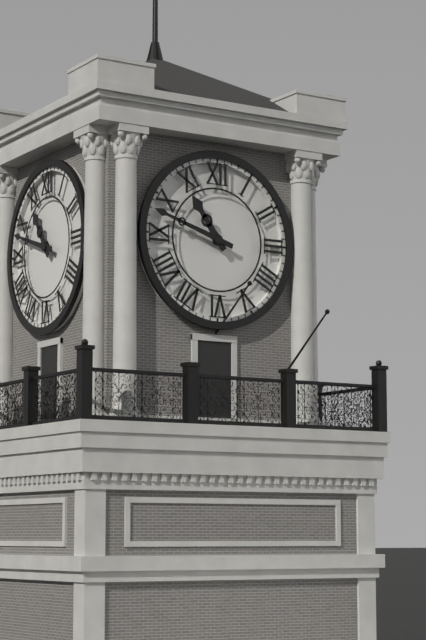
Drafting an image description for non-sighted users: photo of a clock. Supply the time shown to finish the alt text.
10:48
